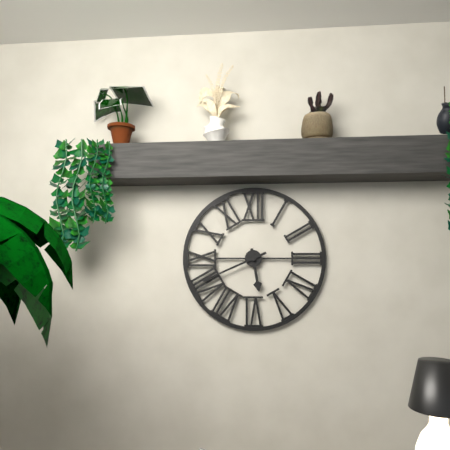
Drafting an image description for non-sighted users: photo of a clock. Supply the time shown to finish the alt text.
5:41
